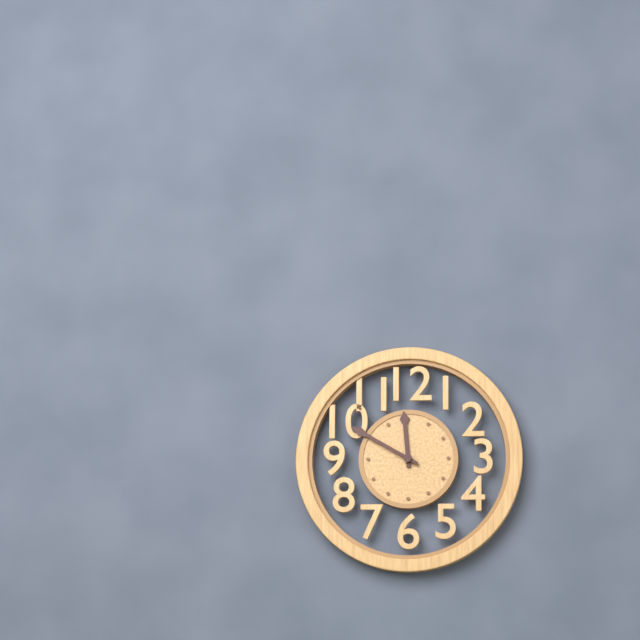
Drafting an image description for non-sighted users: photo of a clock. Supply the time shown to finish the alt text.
11:50
